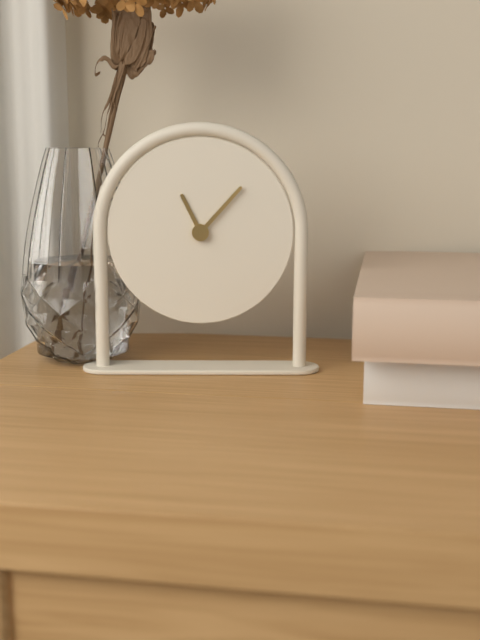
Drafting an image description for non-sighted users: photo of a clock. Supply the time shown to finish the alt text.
11:07
